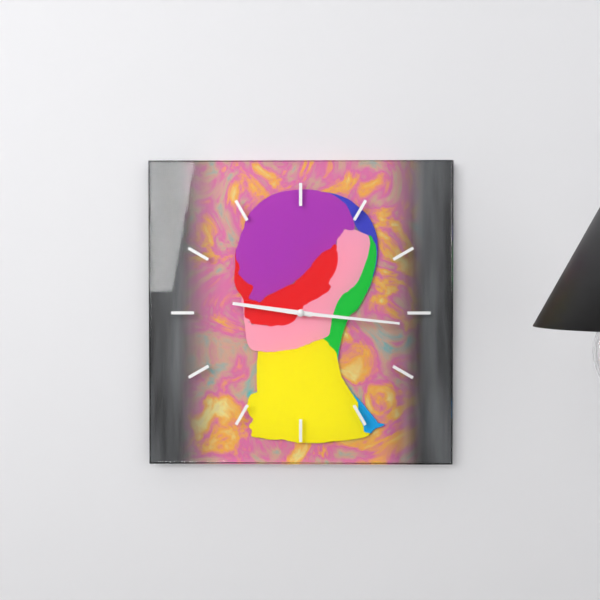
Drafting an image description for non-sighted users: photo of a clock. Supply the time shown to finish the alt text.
9:16
